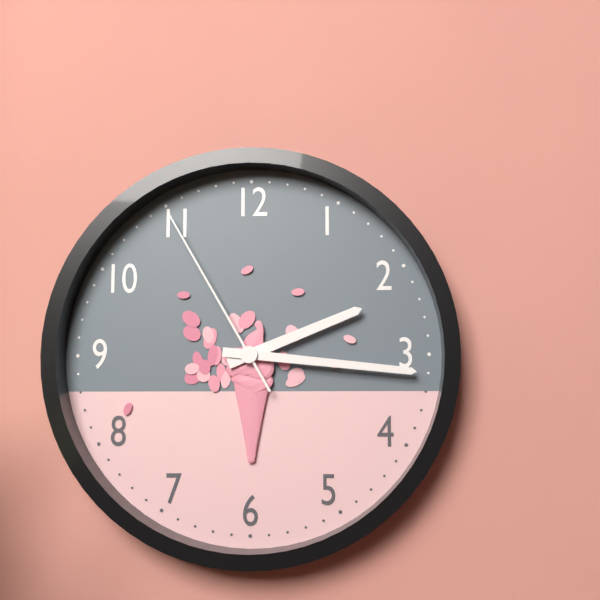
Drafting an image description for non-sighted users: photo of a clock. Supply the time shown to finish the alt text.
2:16:55
